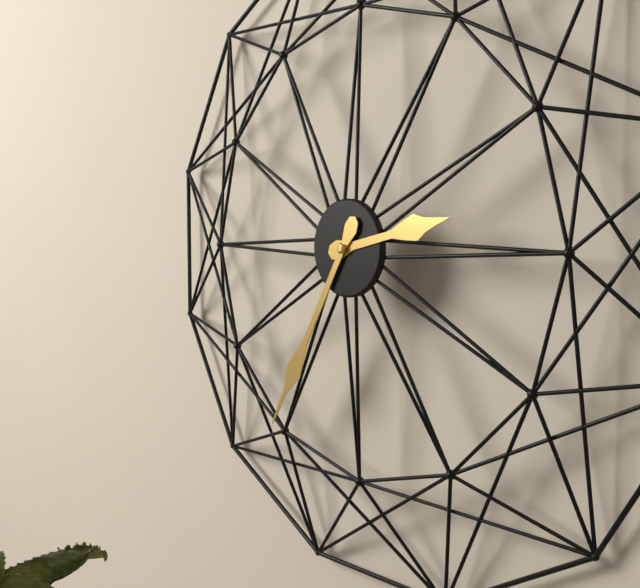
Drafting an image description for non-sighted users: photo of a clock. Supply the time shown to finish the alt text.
2:35
